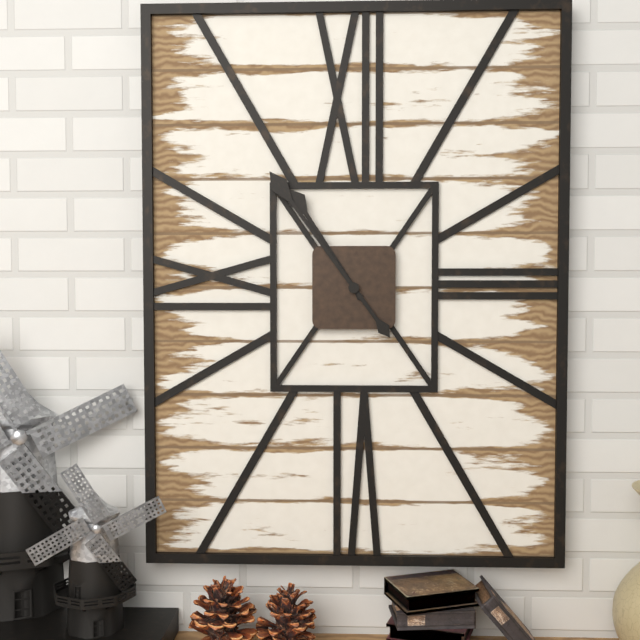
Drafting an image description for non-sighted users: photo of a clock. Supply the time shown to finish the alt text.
10:54
